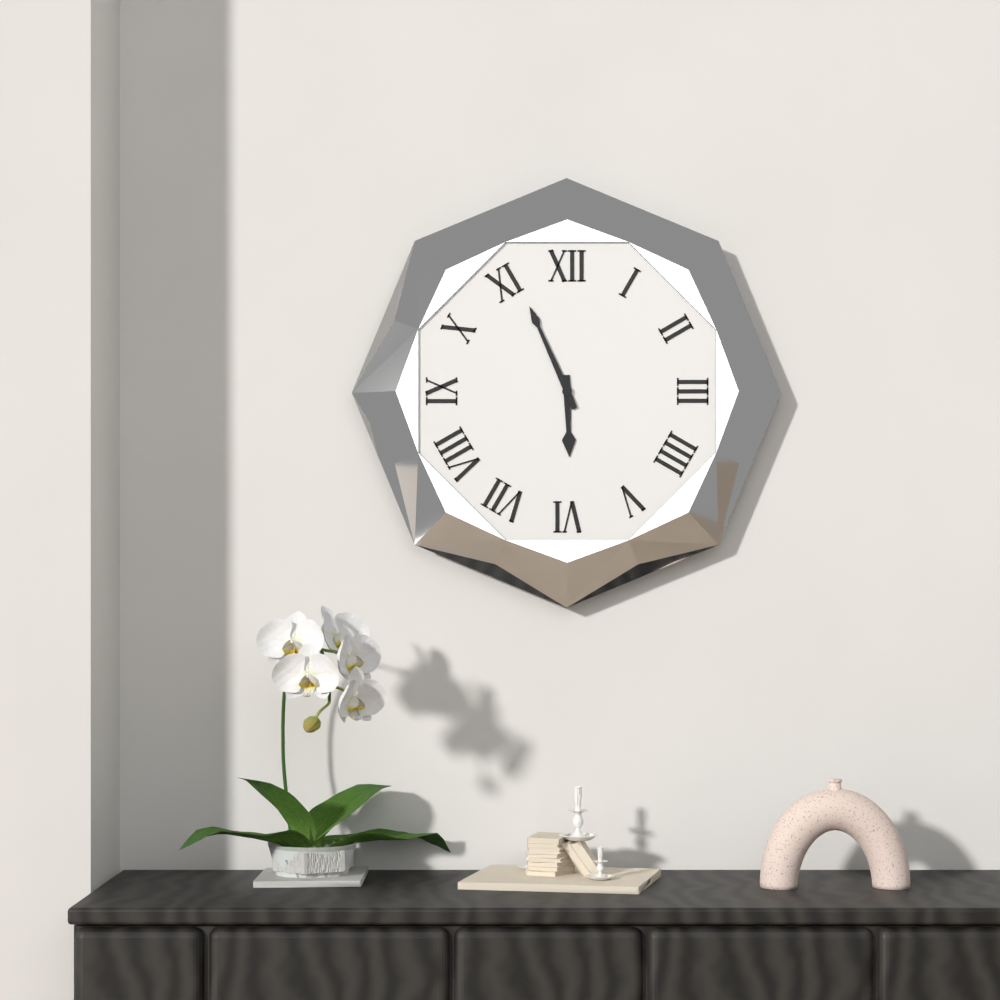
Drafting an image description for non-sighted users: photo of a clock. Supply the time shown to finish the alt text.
5:56
